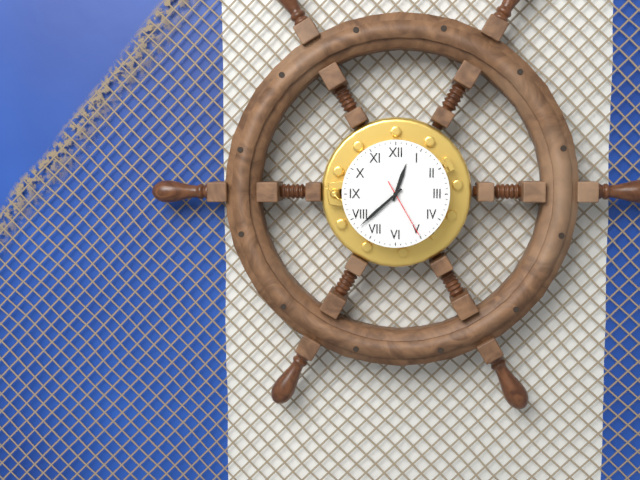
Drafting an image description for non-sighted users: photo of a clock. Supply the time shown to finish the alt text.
12:38:25
